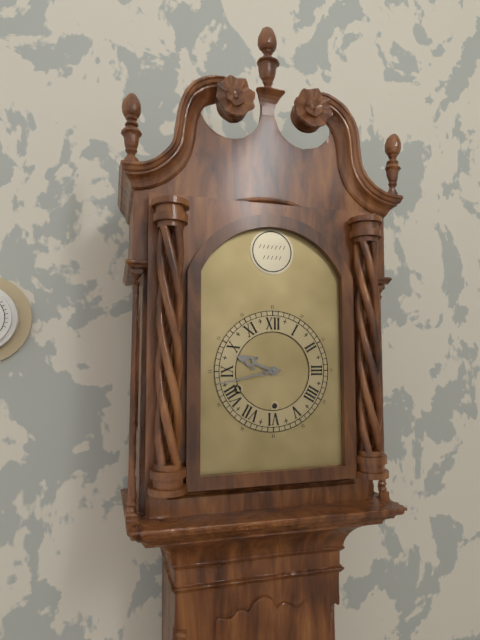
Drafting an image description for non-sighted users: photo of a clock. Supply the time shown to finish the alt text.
9:43
